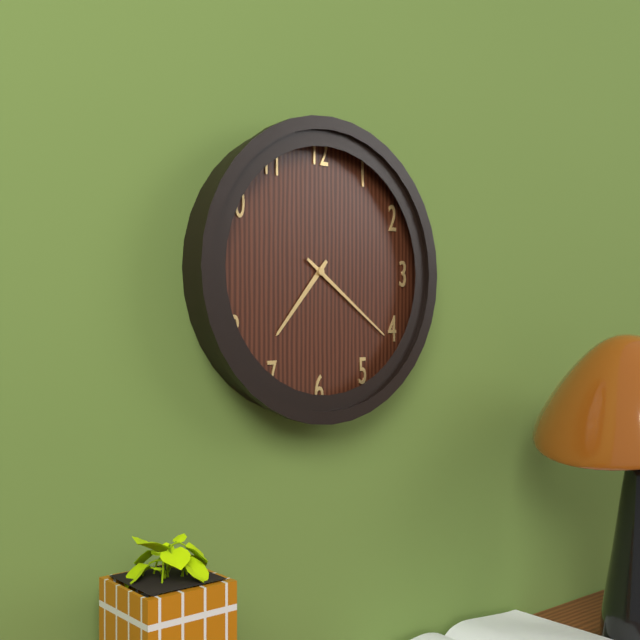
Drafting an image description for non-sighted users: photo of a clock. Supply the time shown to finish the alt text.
7:21
